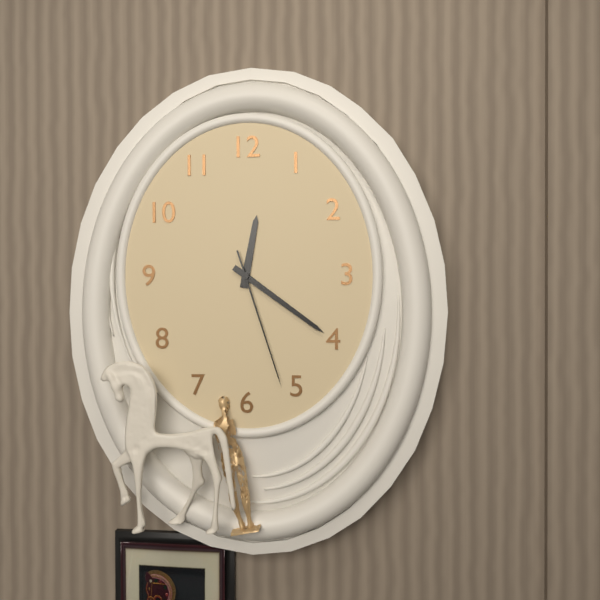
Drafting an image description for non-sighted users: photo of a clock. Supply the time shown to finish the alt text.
12:21:27
